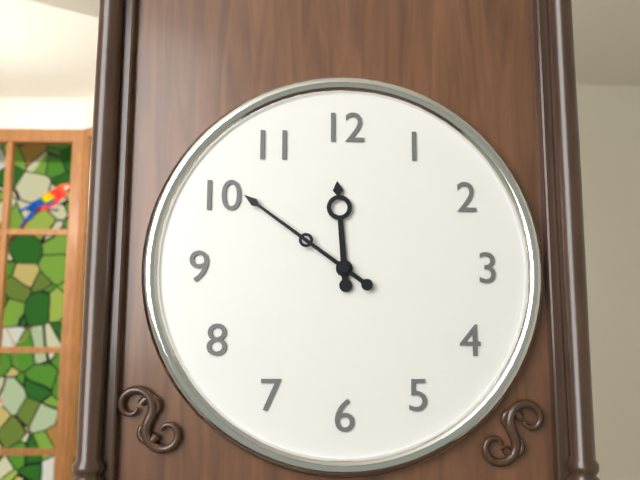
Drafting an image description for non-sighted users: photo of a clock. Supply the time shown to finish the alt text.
11:51
